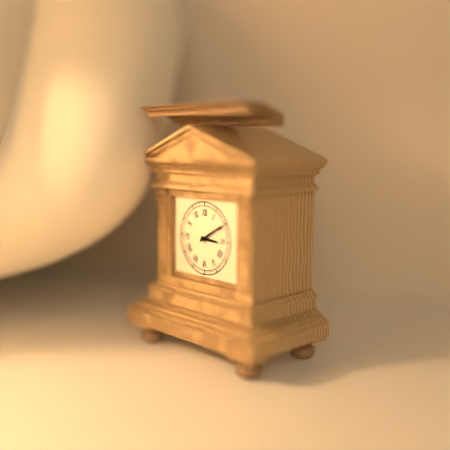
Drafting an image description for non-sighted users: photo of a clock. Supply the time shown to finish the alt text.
3:10
